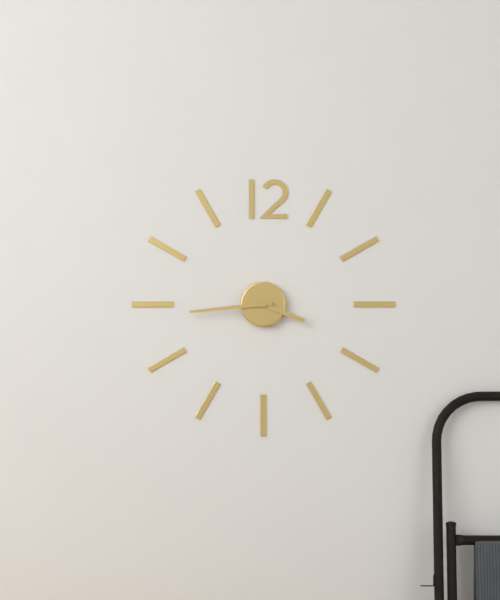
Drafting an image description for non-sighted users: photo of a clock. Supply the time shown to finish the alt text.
3:44
